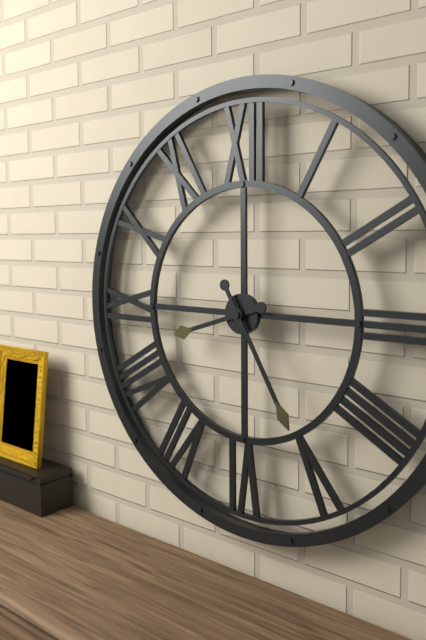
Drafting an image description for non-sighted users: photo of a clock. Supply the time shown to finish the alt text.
8:25
